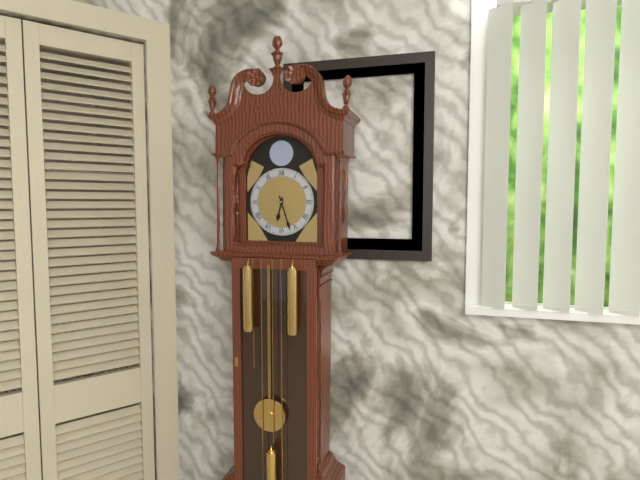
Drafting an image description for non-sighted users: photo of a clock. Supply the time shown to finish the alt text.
6:27
